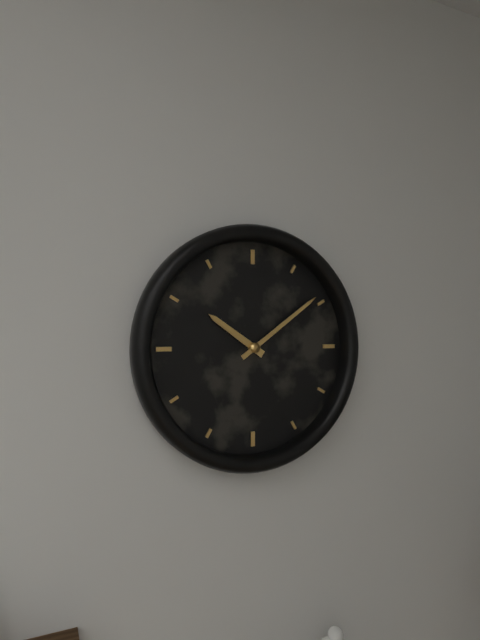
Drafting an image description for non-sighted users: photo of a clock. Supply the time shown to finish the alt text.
10:09
